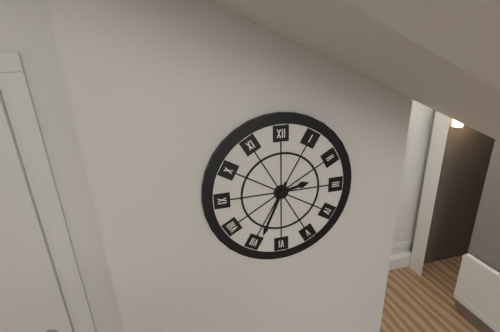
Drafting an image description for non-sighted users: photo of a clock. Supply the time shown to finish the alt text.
2:34
